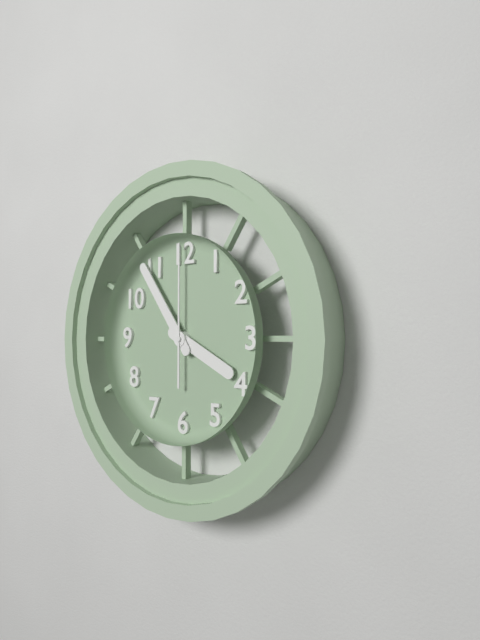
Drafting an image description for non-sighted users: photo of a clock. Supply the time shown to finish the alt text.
3:54:00
